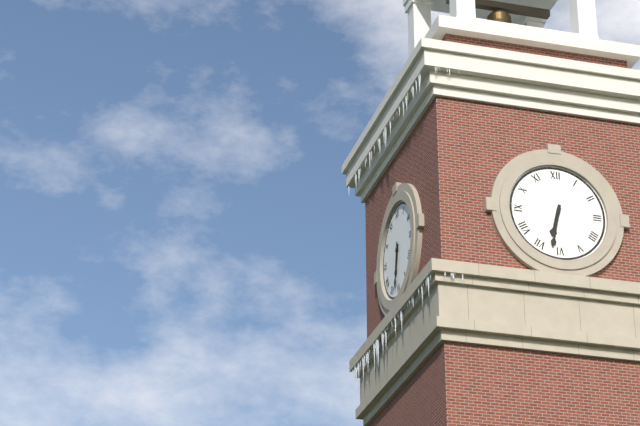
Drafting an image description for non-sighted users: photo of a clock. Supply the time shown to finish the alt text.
6:32
